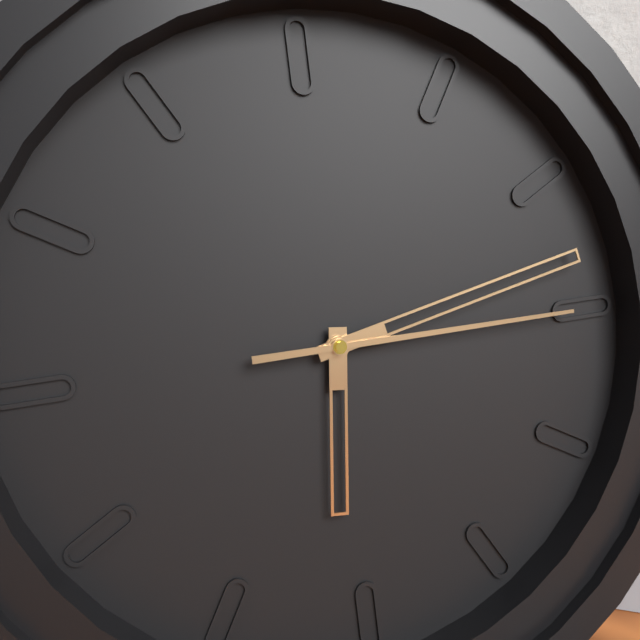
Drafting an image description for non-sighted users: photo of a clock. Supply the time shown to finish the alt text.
6:13:15
